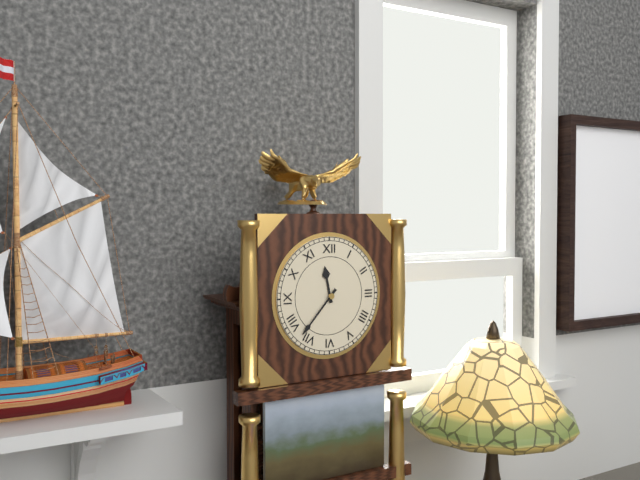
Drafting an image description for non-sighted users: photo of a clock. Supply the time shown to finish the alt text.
11:37
